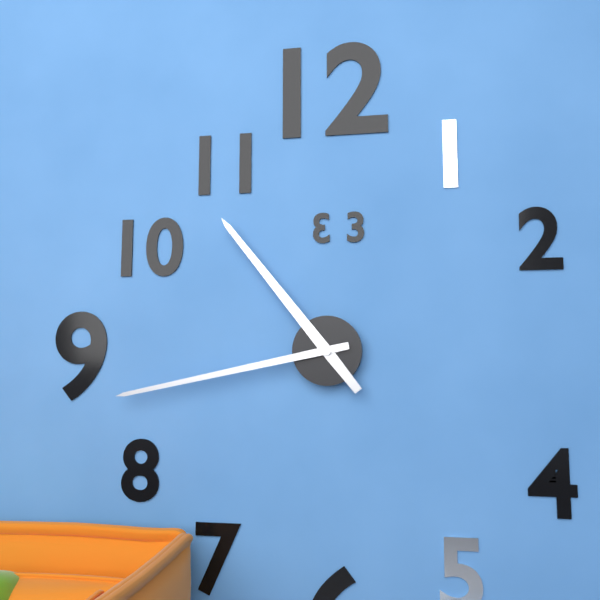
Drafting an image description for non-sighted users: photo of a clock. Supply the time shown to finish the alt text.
10:43
